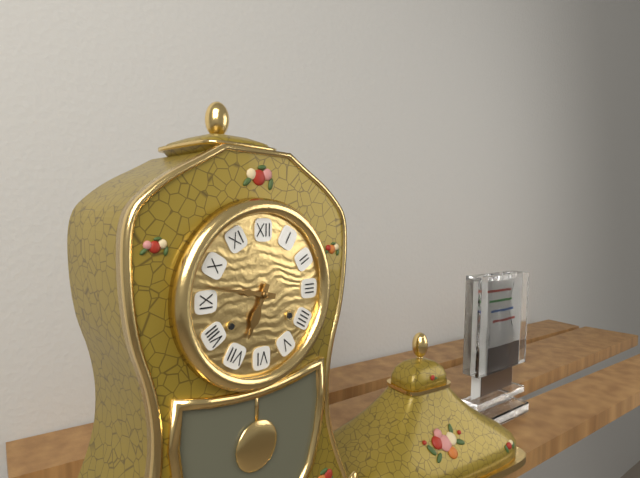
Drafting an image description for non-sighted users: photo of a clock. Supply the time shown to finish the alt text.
6:47
